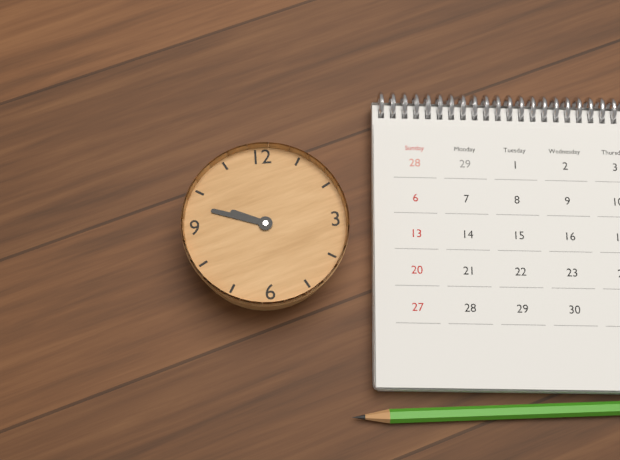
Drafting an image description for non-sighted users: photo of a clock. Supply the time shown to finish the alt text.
9:48
